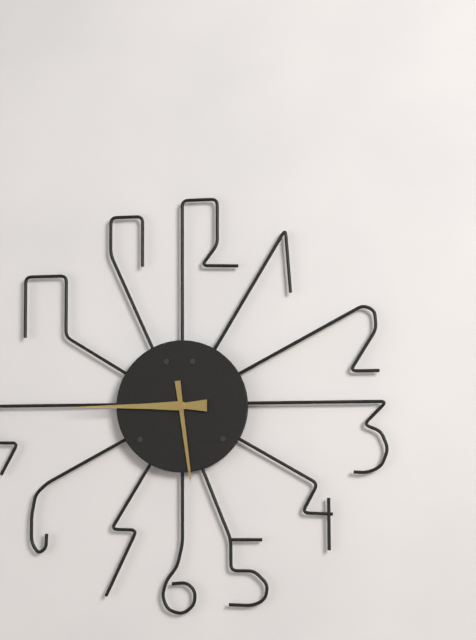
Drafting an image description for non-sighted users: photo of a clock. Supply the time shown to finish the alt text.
5:45
